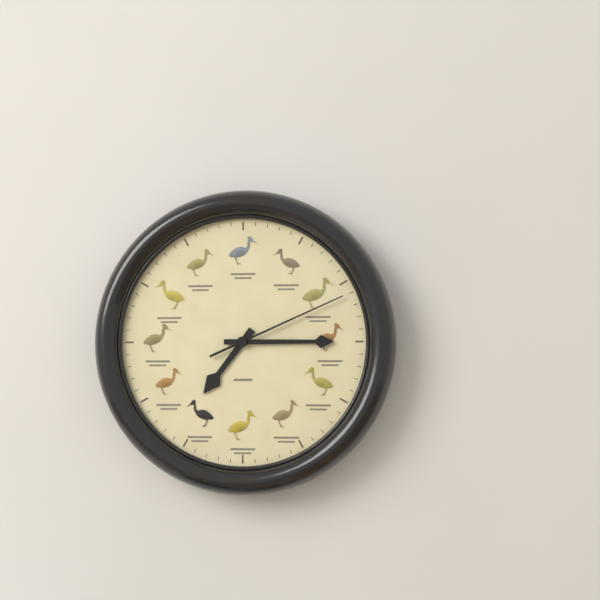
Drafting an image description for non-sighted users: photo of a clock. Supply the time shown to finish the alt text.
7:15:11
